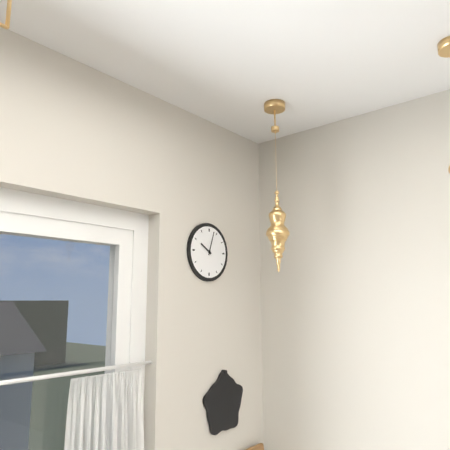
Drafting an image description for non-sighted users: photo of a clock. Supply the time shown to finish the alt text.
10:03
